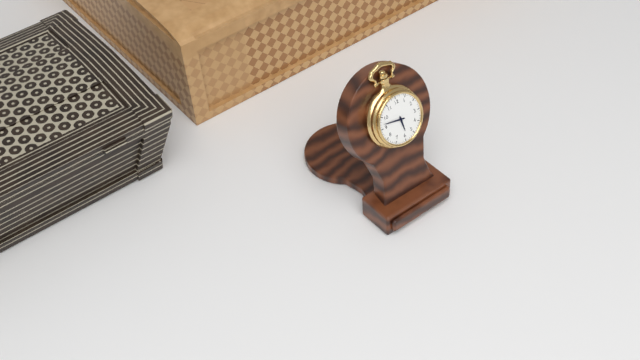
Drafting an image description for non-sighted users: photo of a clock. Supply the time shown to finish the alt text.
5:47
